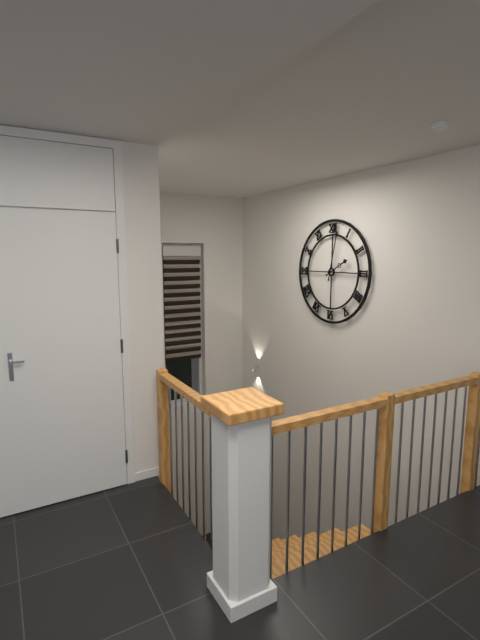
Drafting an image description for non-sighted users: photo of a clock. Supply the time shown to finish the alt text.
2:02
